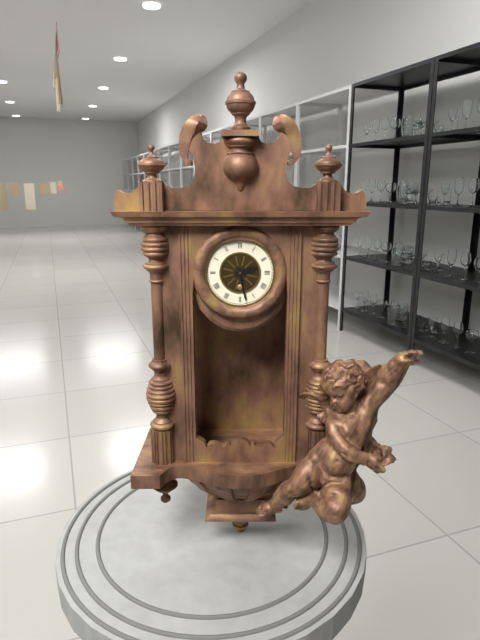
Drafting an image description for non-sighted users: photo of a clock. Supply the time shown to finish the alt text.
2:28
